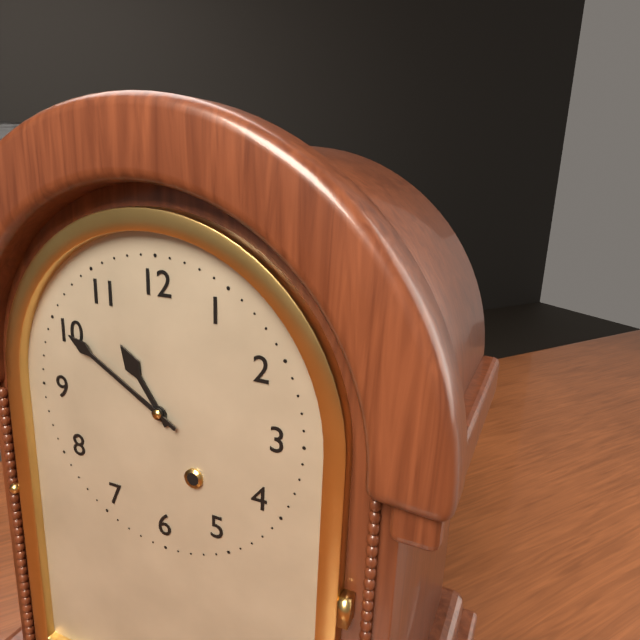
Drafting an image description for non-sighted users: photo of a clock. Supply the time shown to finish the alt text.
10:50
